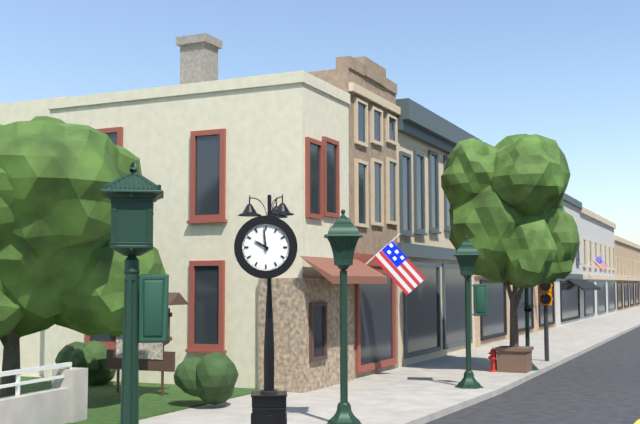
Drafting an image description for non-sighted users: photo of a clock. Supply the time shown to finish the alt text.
9:59
